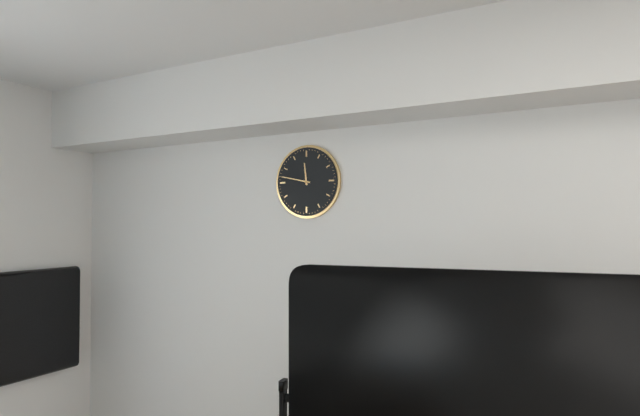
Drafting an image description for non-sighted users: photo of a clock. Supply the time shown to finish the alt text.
11:47
